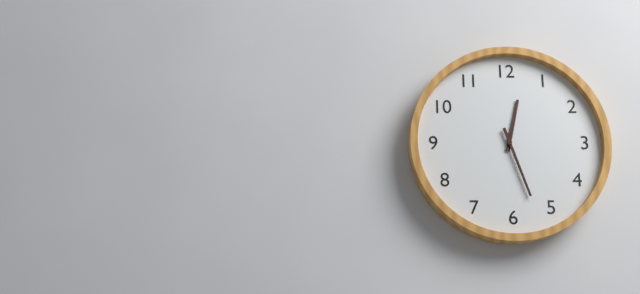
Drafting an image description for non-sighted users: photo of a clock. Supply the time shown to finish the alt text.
12:27
